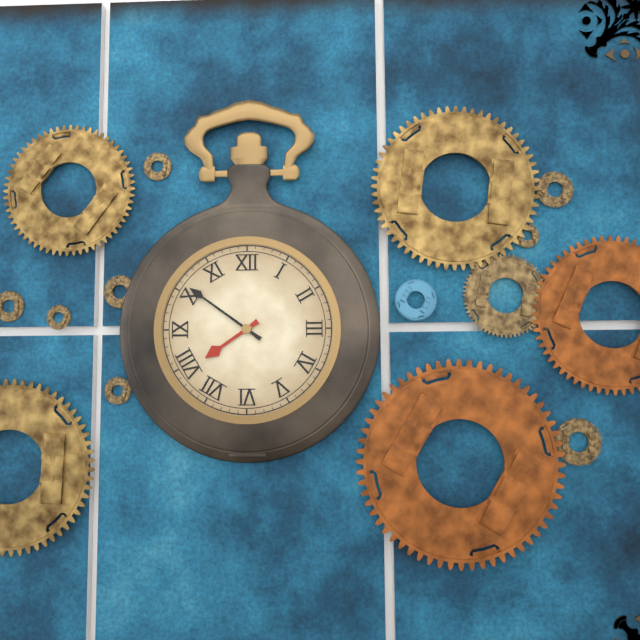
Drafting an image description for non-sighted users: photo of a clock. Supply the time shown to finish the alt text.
7:51
